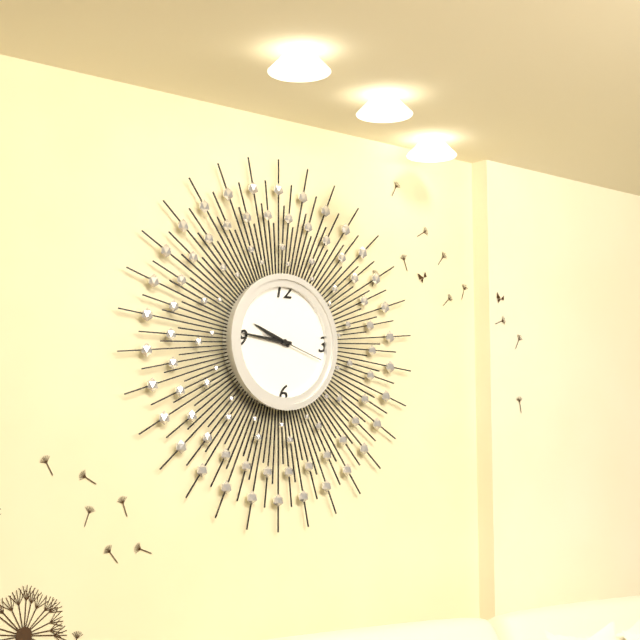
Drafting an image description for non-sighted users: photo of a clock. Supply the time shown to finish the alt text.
9:46:18
